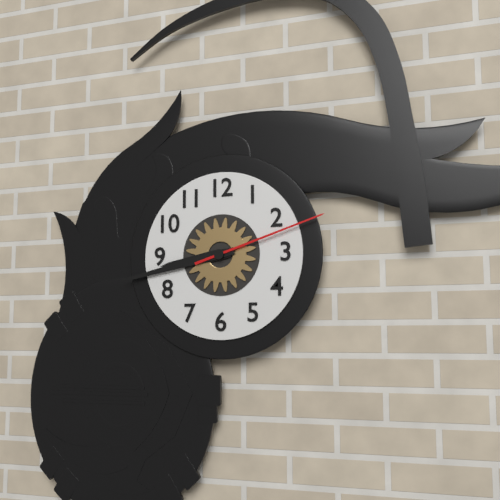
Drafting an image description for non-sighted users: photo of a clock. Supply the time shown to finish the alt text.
8:43:12
